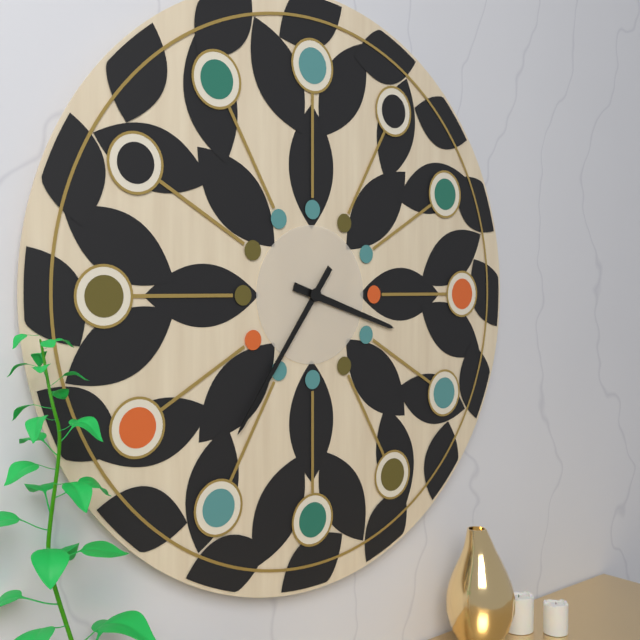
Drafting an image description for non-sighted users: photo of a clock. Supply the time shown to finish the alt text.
3:36
